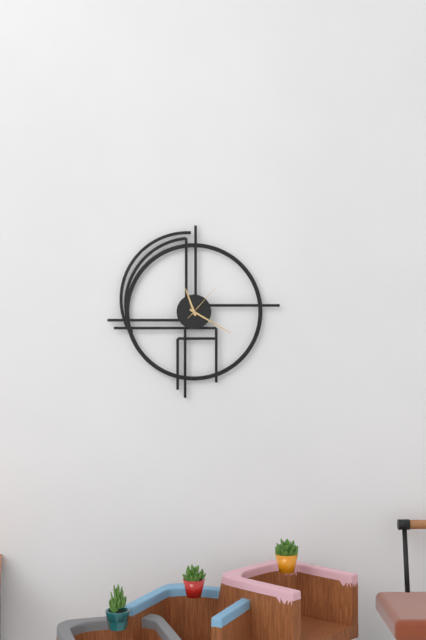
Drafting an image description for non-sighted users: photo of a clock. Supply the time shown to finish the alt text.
11:20
